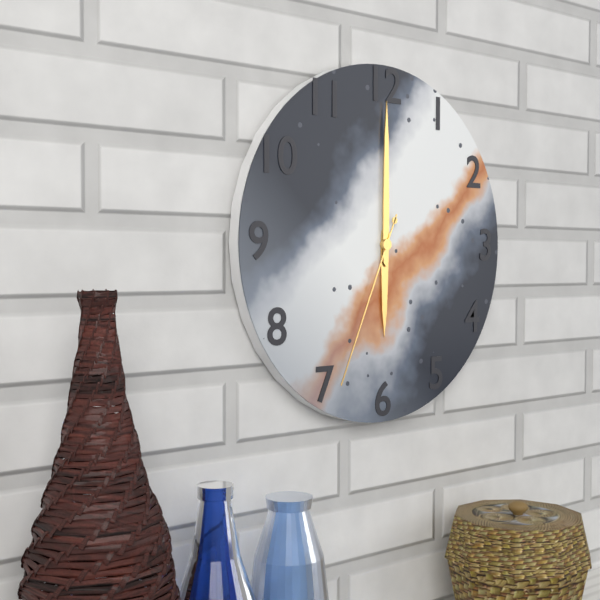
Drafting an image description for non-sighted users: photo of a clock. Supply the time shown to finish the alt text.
6:00:34
